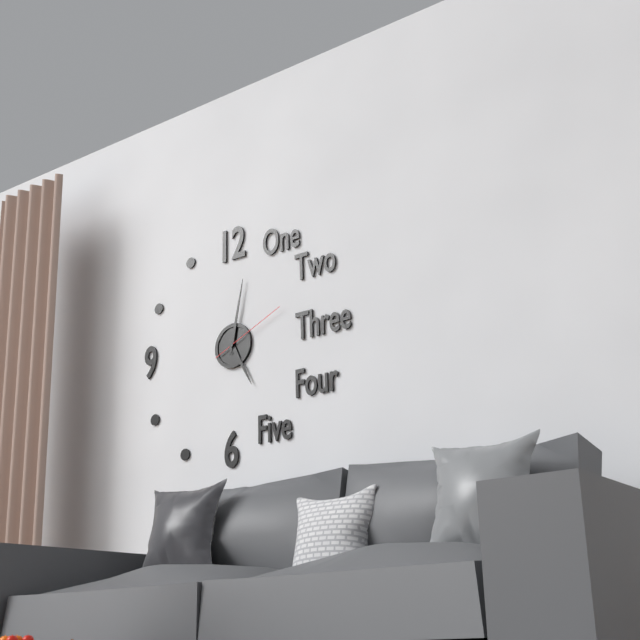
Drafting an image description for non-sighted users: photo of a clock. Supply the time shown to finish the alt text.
5:02:11
